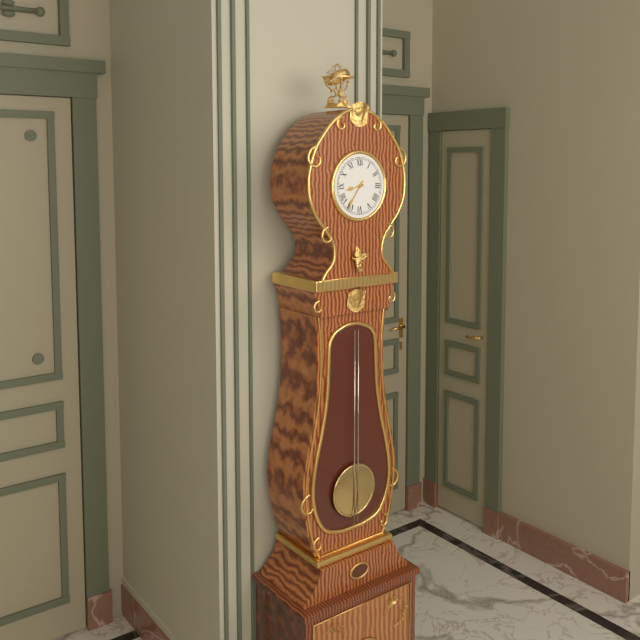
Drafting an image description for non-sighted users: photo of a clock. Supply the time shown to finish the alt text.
8:36
